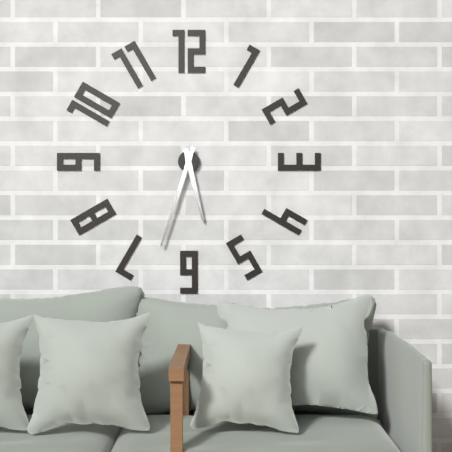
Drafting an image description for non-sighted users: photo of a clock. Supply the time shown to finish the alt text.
5:33
